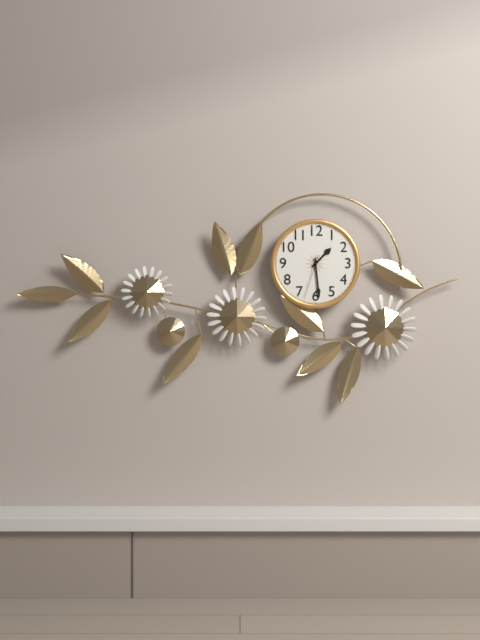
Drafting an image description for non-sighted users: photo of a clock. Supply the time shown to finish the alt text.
1:29
